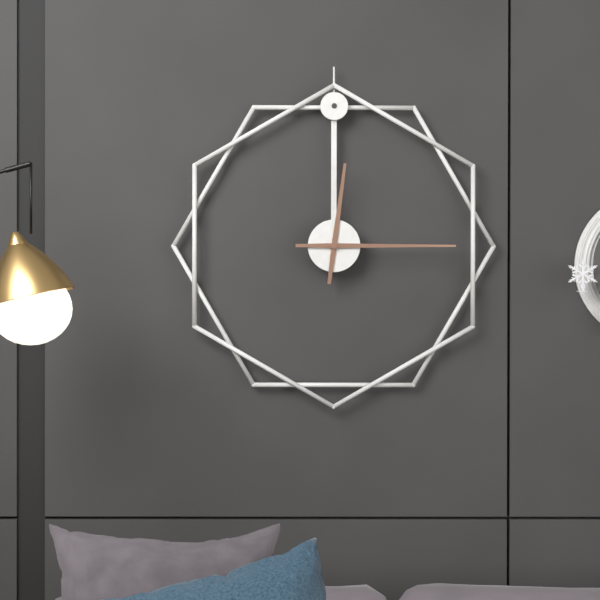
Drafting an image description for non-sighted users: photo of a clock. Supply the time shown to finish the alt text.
12:15
